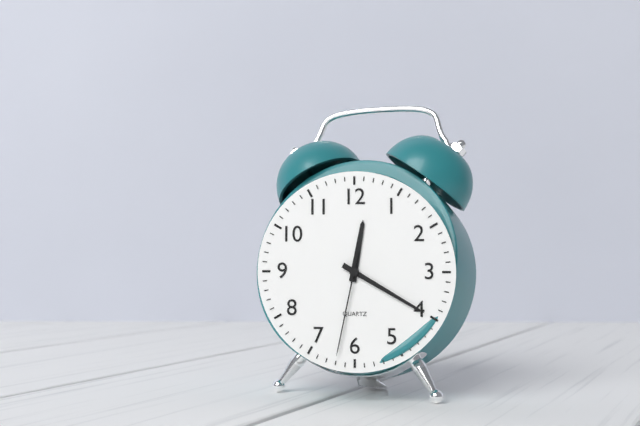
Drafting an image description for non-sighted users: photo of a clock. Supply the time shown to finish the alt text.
12:20:32
